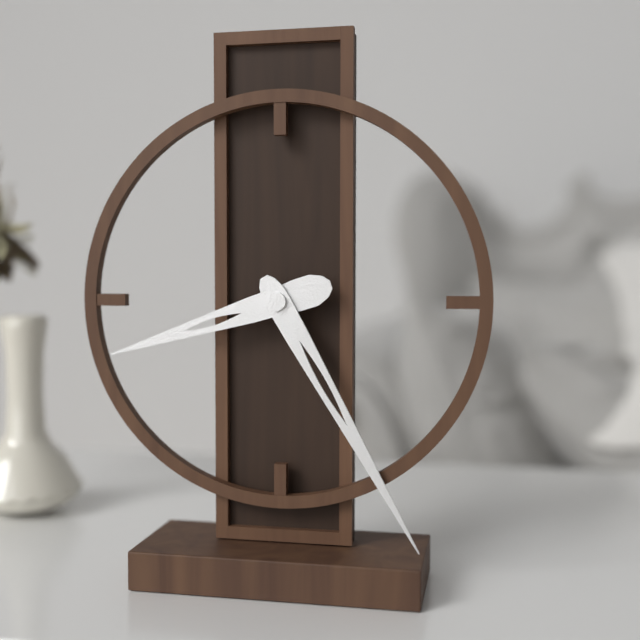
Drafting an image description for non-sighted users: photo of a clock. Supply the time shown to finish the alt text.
8:25
